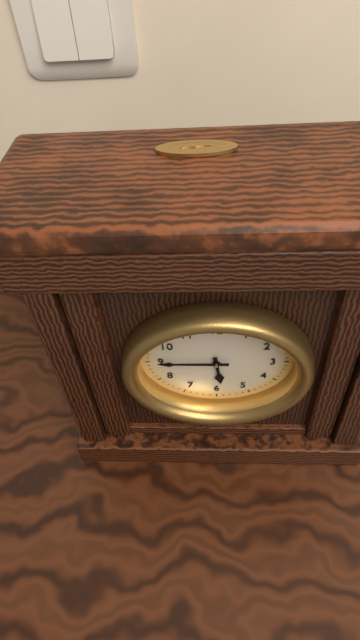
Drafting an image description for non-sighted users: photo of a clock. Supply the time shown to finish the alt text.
5:45
